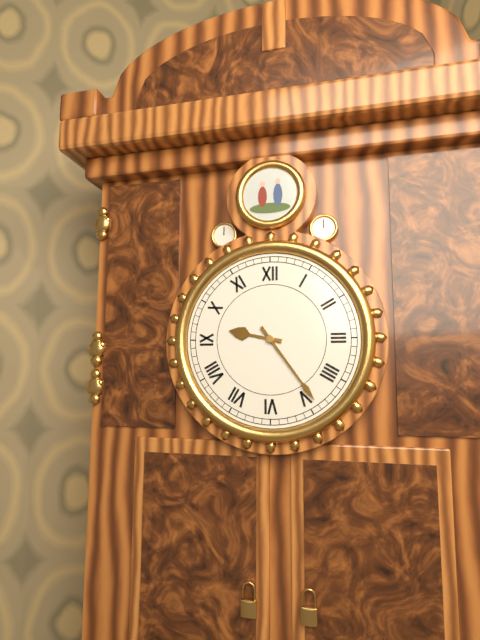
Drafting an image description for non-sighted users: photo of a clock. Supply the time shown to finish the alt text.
9:24
